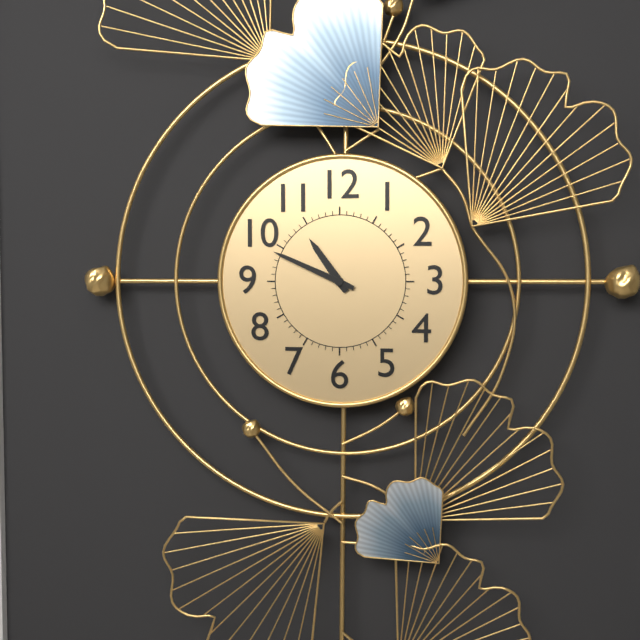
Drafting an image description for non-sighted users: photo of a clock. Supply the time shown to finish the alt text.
10:49
